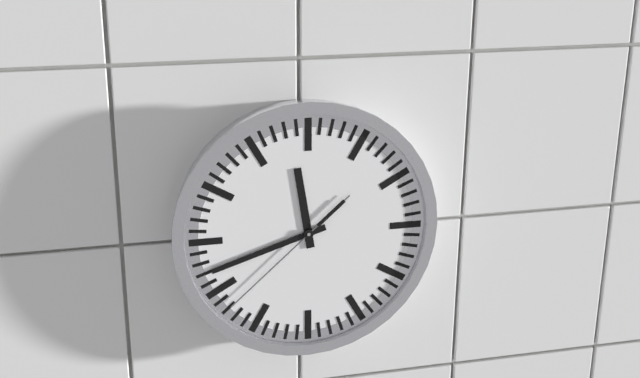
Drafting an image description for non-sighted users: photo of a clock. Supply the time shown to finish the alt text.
11:42:38
